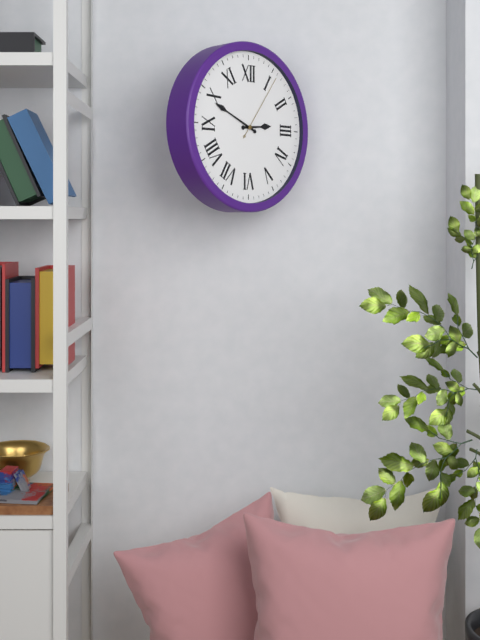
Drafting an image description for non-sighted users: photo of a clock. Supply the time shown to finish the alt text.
2:49:06
